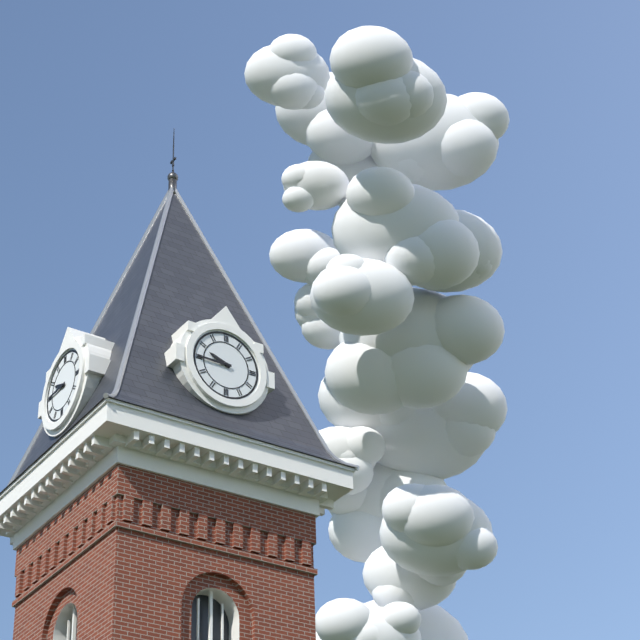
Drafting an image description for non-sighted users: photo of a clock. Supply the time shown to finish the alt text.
9:45
